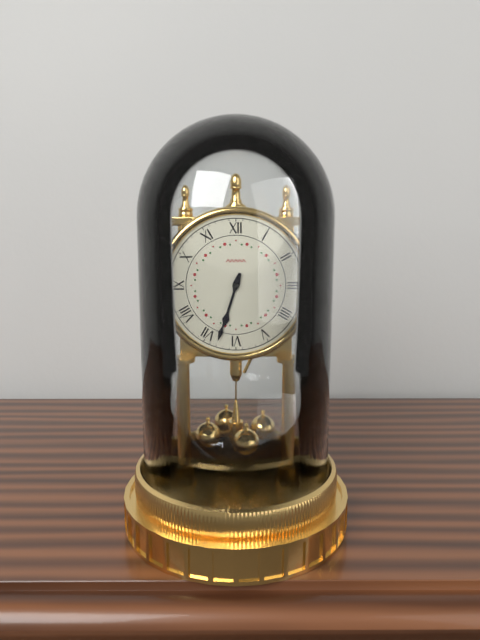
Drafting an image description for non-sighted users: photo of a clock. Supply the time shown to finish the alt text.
6:33
